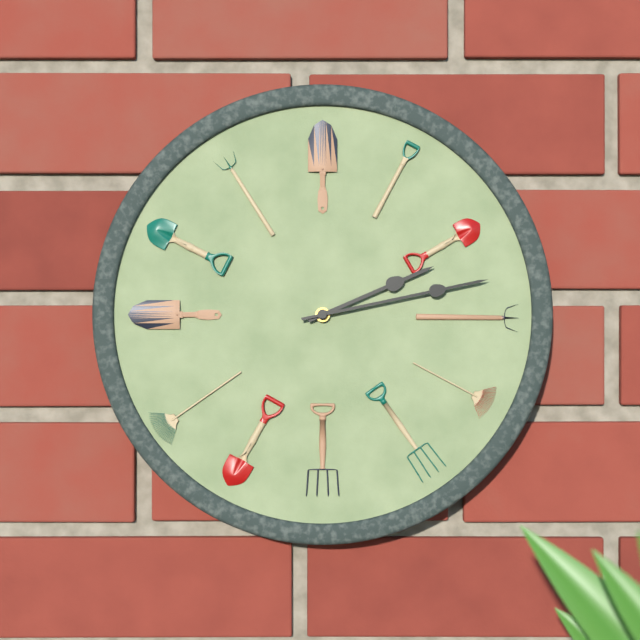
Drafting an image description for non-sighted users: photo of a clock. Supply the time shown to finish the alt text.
2:13
